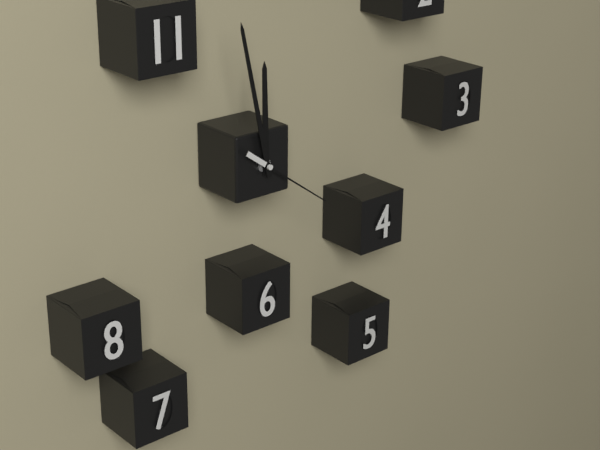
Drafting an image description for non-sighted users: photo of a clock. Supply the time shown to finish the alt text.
11:58:21
